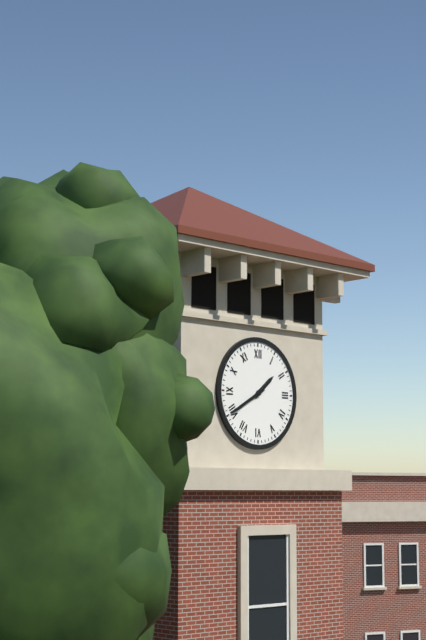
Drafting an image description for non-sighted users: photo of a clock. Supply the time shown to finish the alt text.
1:40
